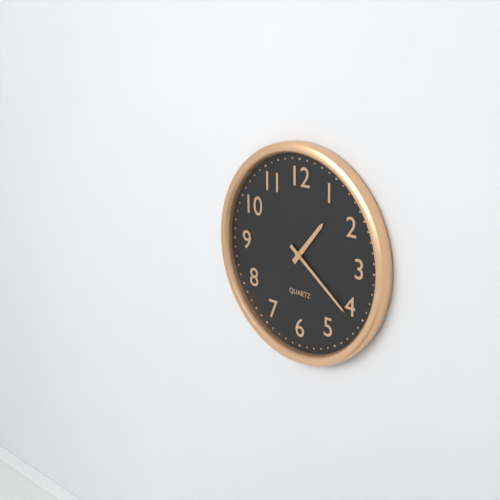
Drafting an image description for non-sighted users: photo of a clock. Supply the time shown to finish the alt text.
1:21
